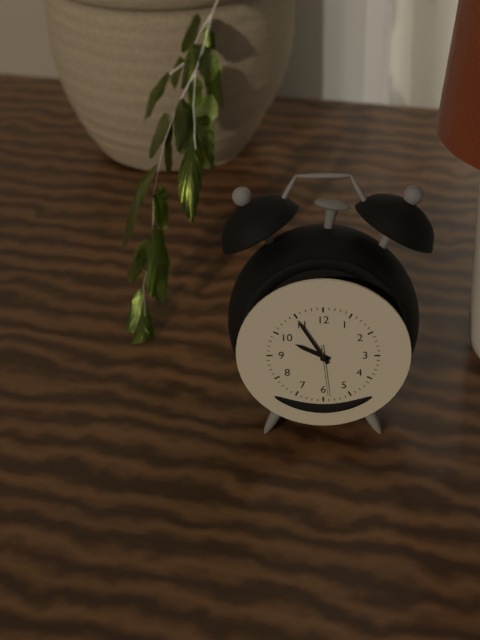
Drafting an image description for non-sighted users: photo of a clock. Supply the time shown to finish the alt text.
9:55
